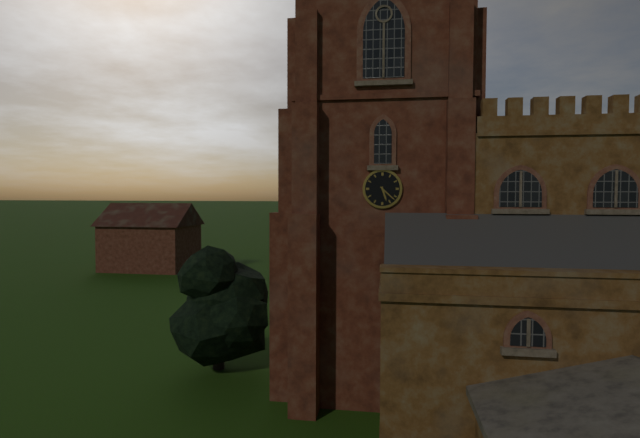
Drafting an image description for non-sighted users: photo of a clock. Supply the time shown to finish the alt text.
5:22
